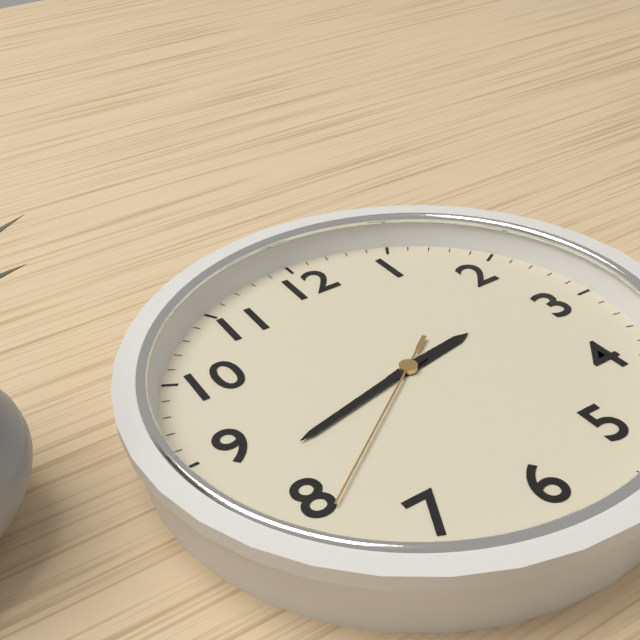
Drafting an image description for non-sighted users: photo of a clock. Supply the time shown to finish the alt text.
2:43:39
